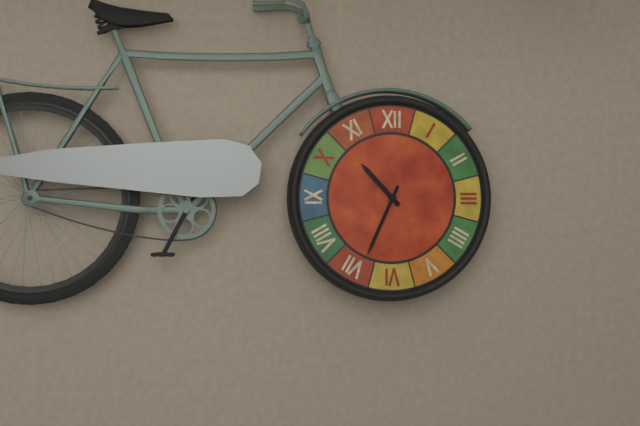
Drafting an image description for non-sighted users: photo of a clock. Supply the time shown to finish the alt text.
10:34
